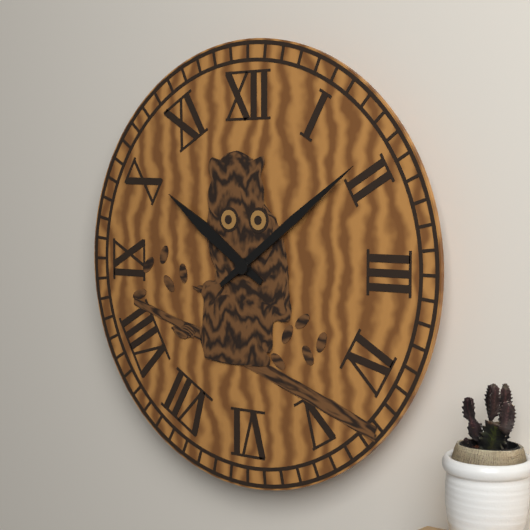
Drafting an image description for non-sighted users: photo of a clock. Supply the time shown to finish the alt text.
10:09
